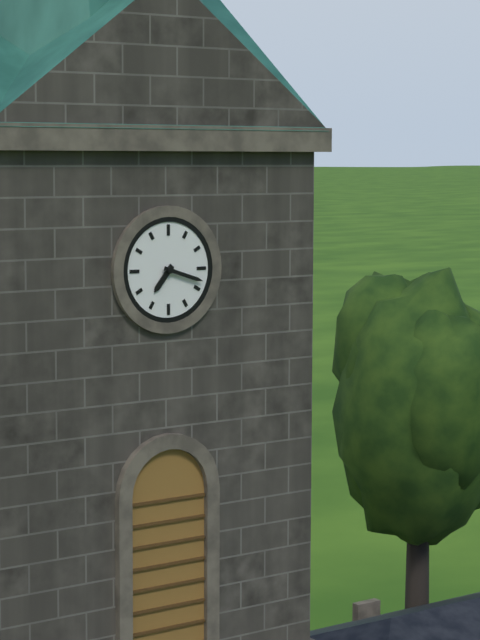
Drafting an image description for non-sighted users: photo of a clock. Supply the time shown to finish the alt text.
7:18
